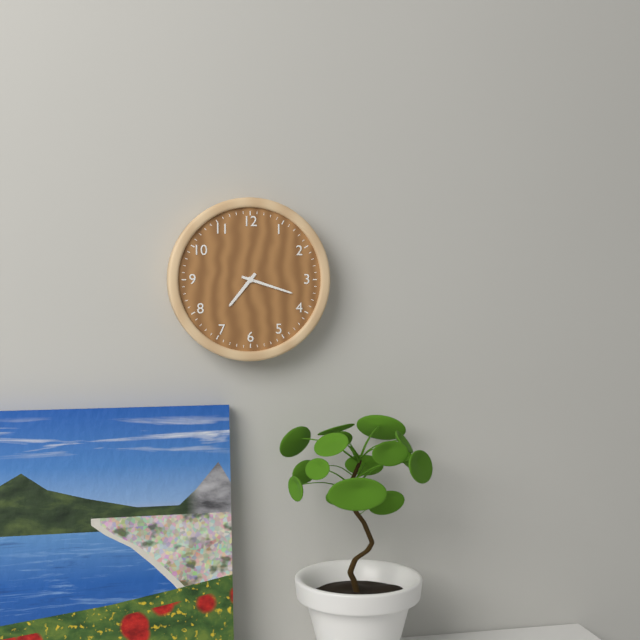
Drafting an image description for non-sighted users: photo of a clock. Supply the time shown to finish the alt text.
7:18
